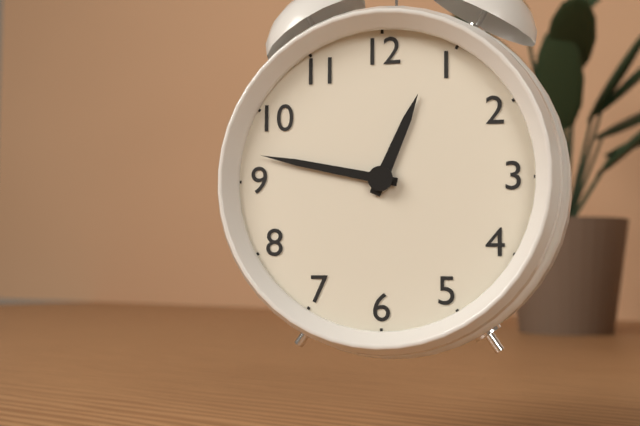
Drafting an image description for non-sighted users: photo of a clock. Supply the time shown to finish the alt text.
12:47
